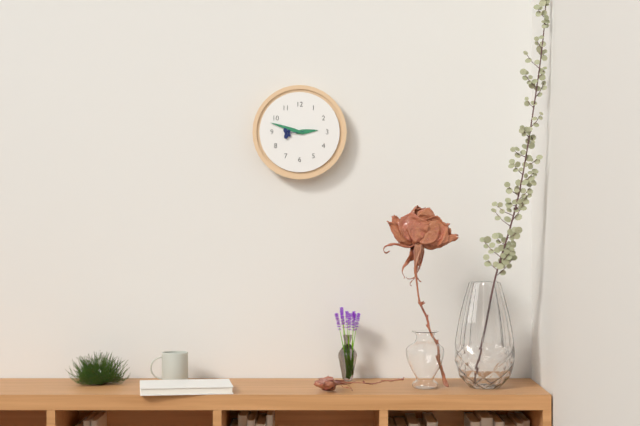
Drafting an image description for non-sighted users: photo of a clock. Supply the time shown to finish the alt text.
2:48
